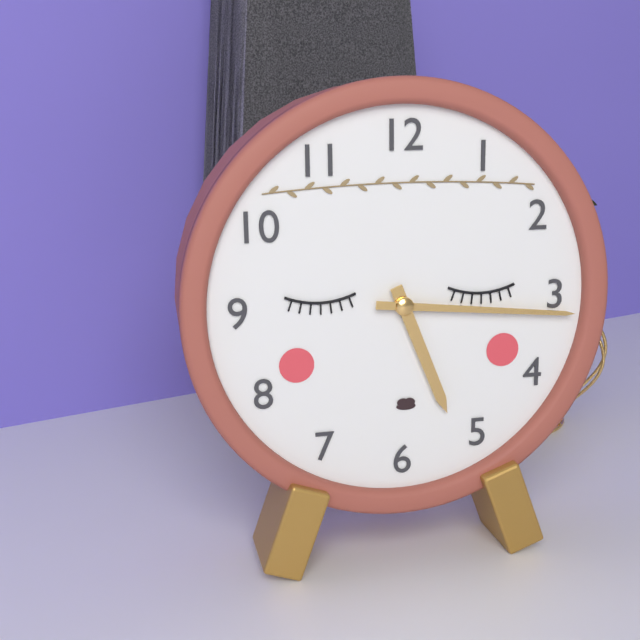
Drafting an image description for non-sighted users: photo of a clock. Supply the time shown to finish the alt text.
5:16
